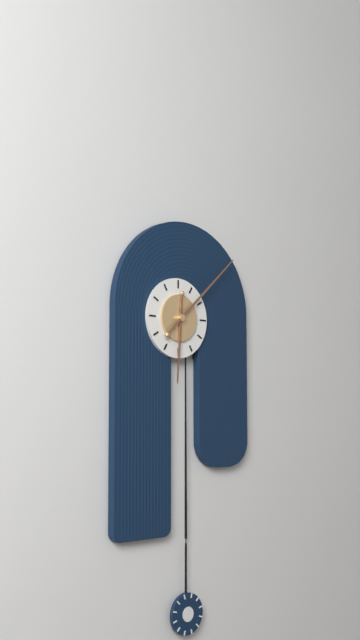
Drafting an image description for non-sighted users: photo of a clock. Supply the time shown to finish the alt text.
6:08
